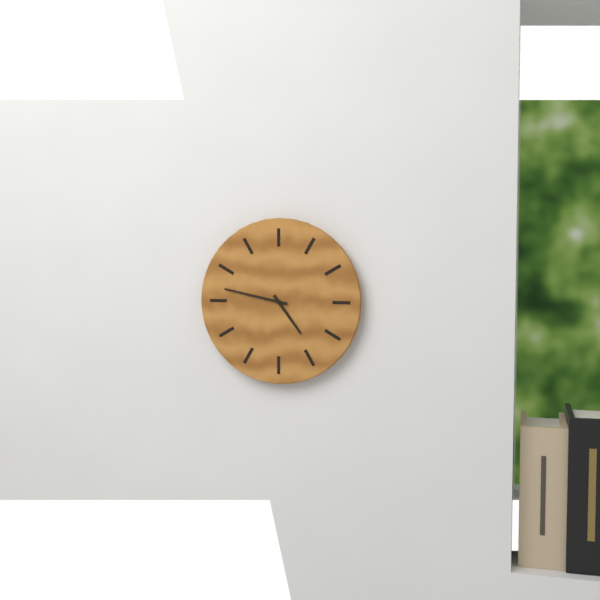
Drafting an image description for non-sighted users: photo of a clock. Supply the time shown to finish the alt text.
4:47
